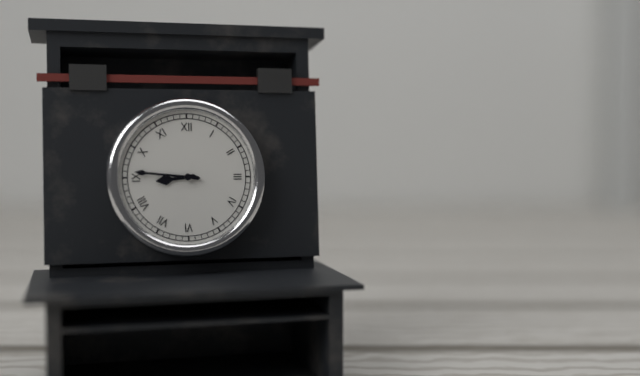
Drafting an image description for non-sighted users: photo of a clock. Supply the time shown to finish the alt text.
8:46
